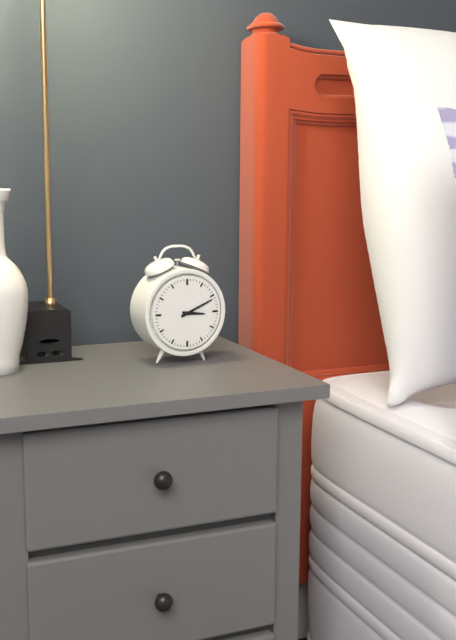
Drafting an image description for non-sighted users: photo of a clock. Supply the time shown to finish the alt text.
3:11
